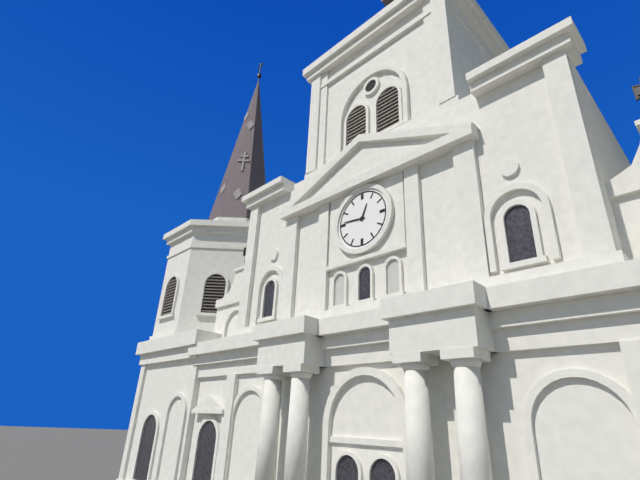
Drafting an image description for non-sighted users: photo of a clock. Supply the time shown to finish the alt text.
12:46
